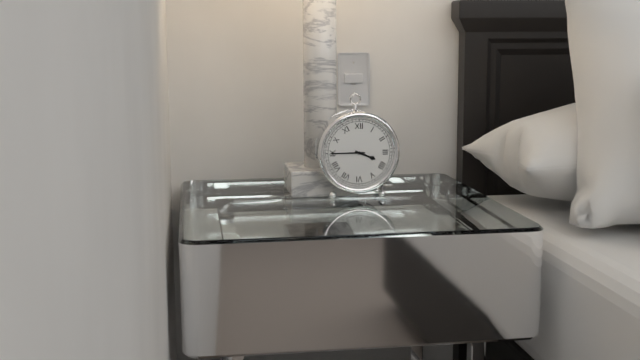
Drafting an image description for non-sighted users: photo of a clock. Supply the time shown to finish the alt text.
3:45
